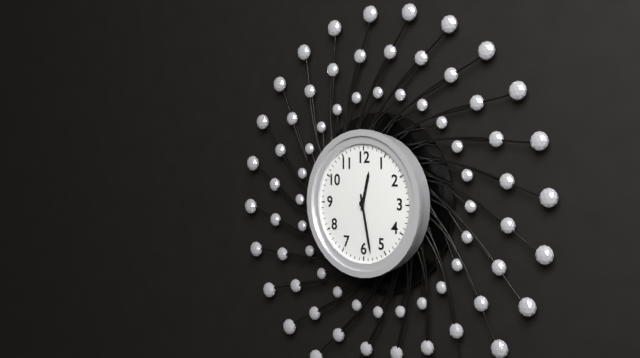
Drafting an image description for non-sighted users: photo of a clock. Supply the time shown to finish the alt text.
12:28
